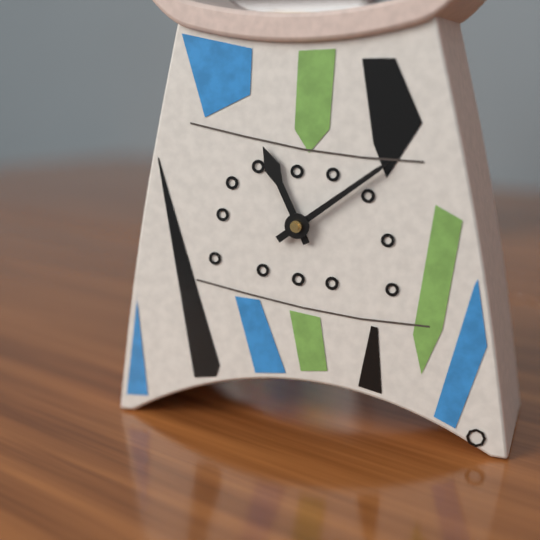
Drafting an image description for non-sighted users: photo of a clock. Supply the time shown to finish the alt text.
11:09
